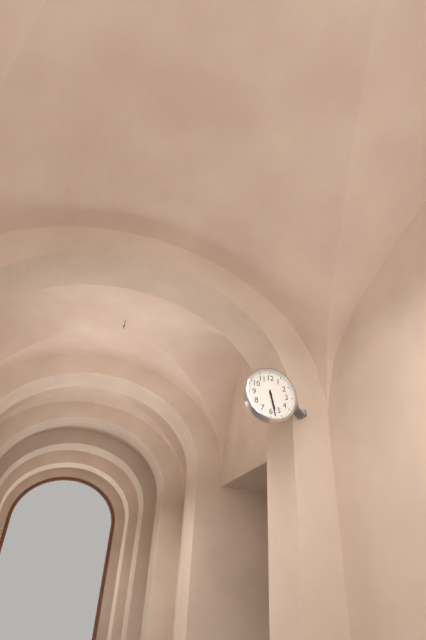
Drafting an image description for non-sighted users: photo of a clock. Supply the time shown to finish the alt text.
5:28
